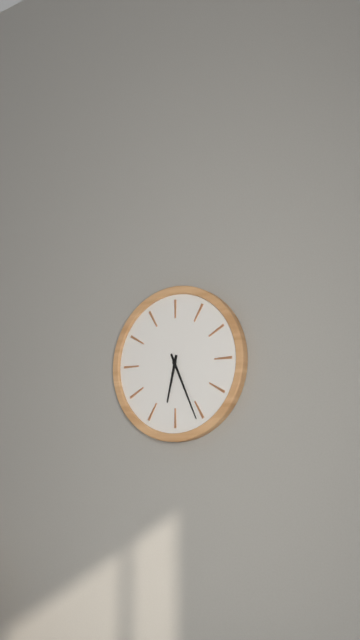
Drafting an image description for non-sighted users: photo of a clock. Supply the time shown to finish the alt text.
6:26
